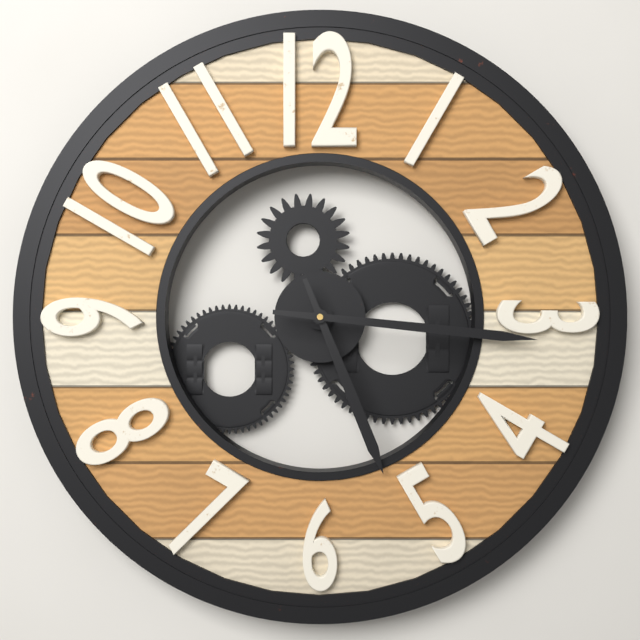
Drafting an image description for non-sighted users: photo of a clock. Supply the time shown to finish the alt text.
5:16
